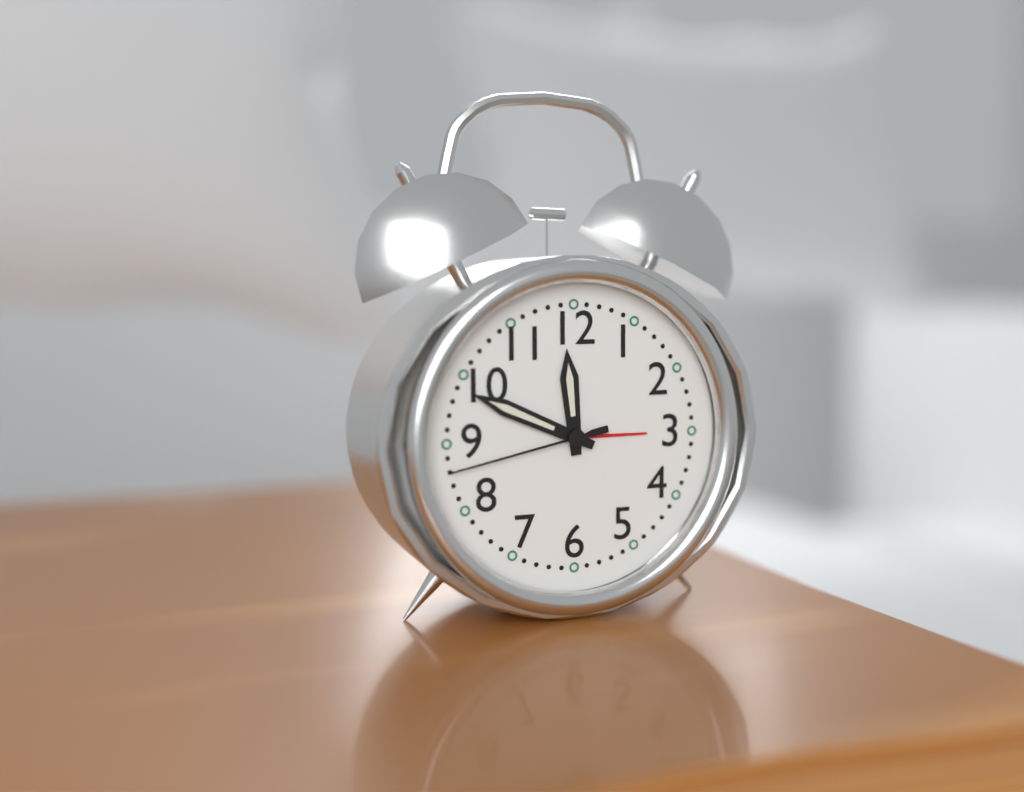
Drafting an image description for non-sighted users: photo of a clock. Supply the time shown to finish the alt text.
11:49:43
